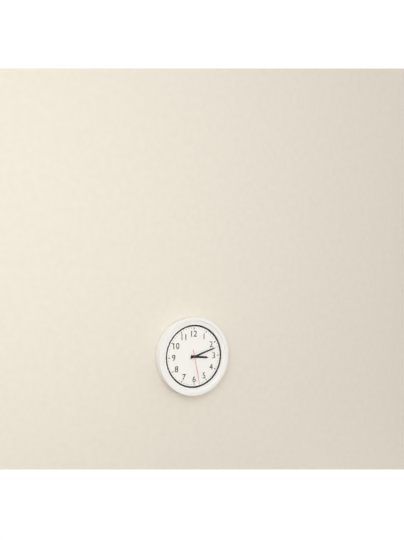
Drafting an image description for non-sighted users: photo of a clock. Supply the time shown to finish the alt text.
3:12
